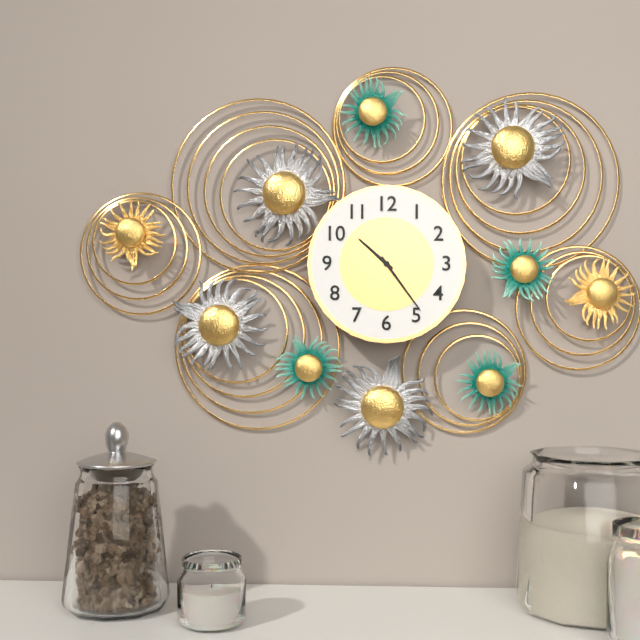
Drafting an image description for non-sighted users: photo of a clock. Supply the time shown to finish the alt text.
10:24
